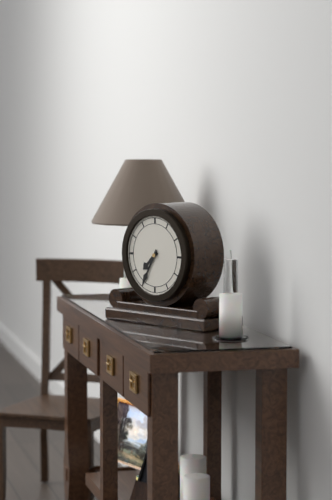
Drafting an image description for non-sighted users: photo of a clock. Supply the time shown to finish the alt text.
7:35
